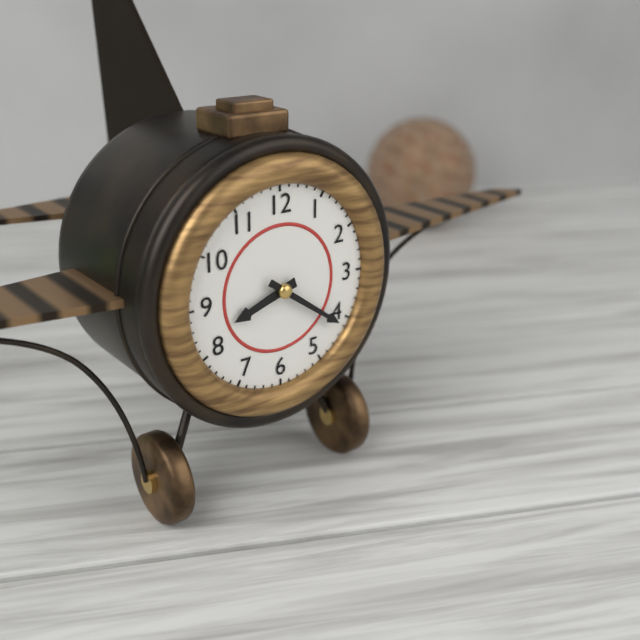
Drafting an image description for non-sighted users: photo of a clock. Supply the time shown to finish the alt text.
8:21
